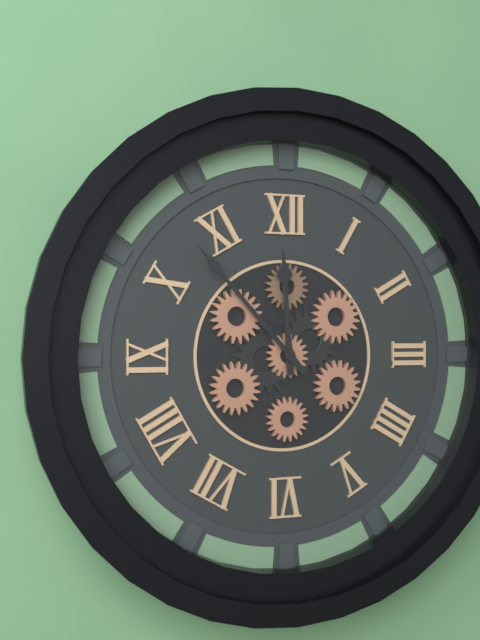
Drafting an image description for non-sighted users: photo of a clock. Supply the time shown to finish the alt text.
11:53
